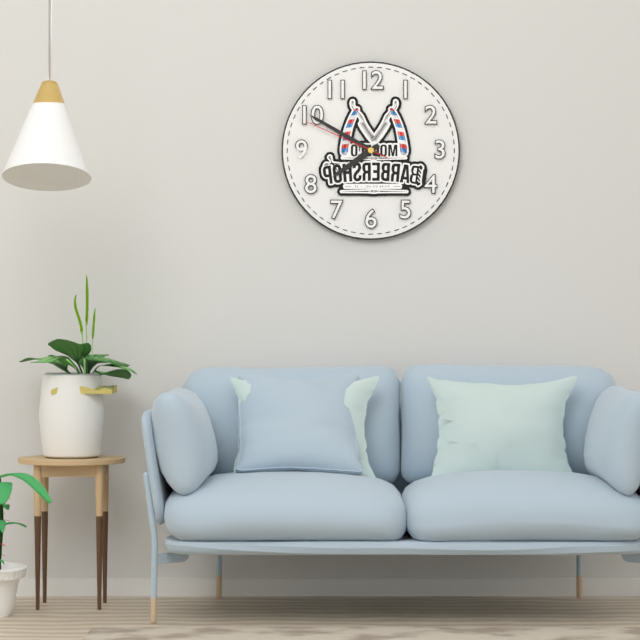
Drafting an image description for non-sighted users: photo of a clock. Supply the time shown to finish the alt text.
7:50:49
